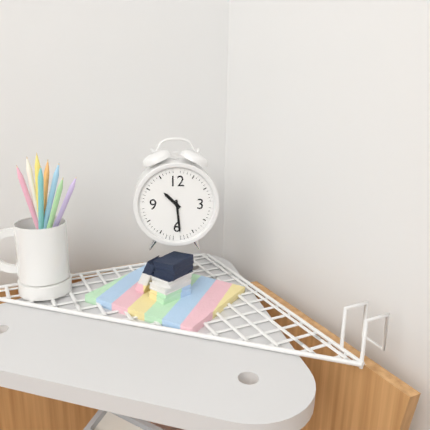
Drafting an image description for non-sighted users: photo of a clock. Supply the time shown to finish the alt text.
10:29
